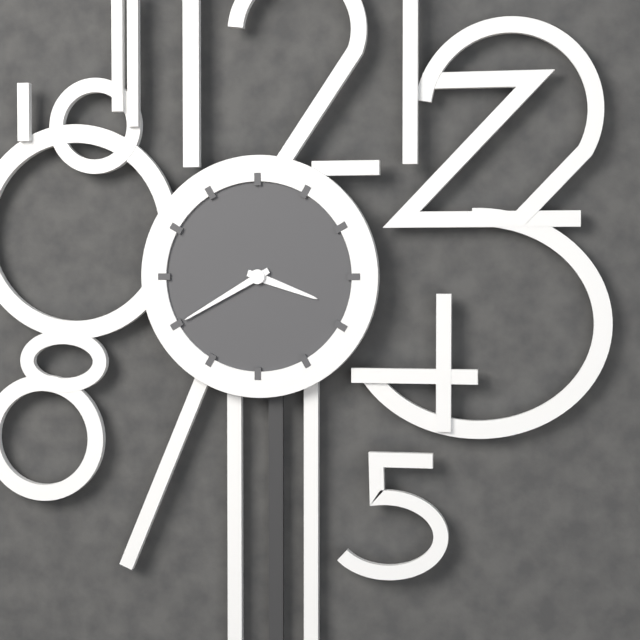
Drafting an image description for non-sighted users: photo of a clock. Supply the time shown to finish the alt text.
3:40
